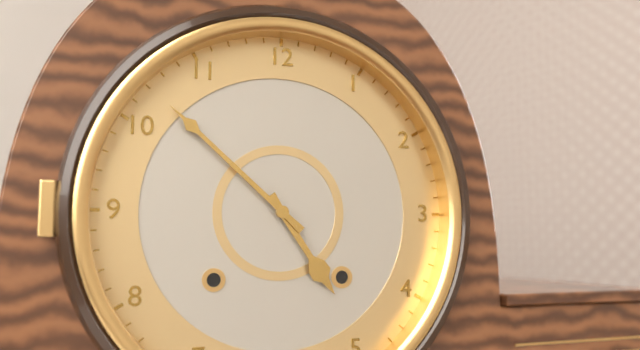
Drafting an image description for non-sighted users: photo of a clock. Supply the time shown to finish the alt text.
4:52
